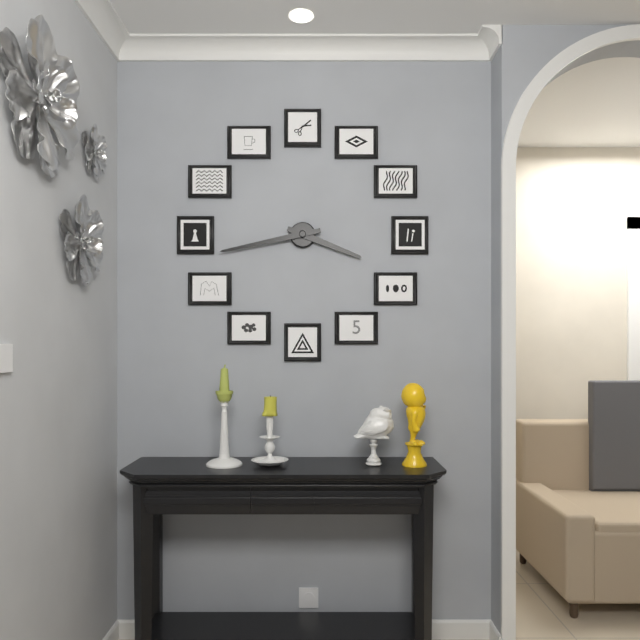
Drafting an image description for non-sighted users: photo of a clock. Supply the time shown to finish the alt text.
3:43
